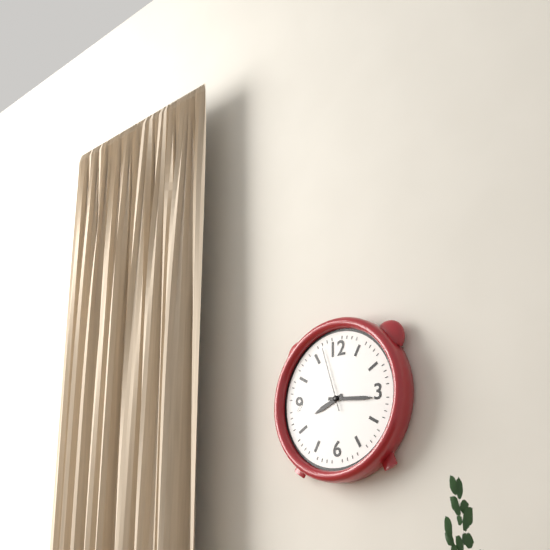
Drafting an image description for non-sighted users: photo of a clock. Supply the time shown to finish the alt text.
8:16:57
